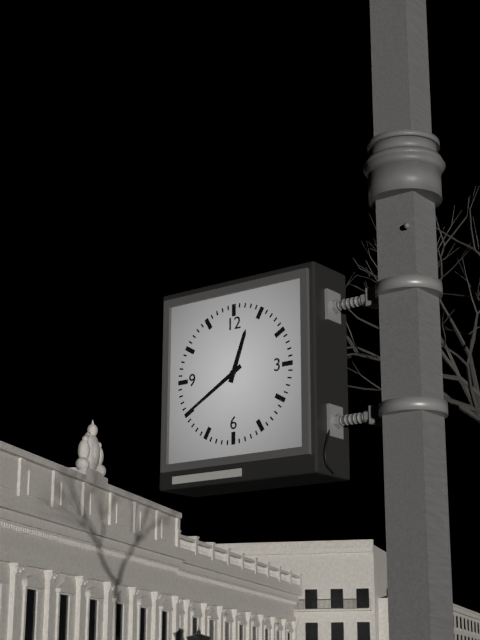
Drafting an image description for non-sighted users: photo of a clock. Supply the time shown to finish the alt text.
12:40
